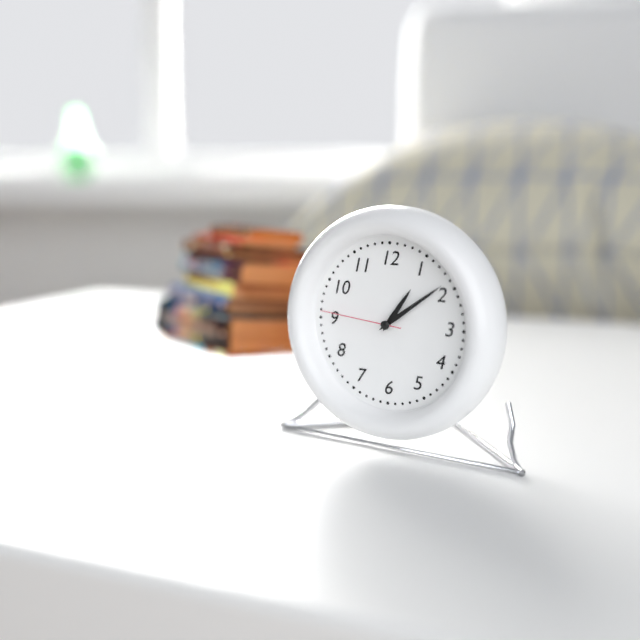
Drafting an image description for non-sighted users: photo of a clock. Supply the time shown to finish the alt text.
1:09:46
